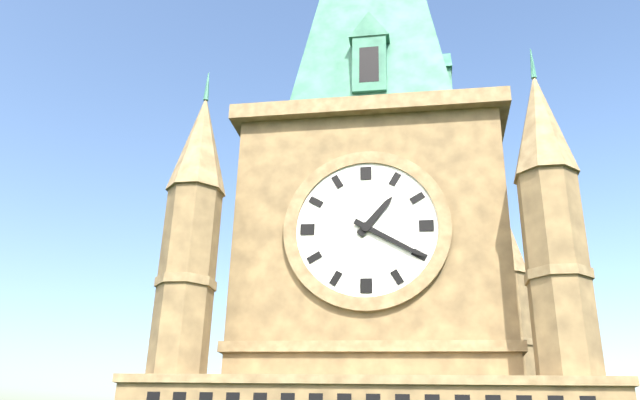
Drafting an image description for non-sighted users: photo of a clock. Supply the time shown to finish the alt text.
1:20
